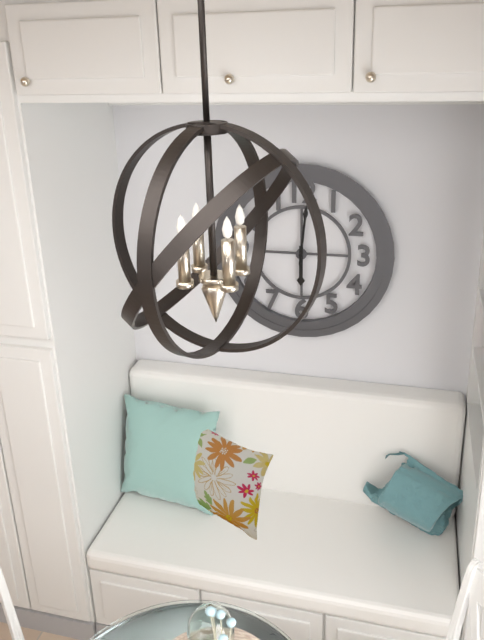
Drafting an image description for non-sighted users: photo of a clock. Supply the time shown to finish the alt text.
6:01
